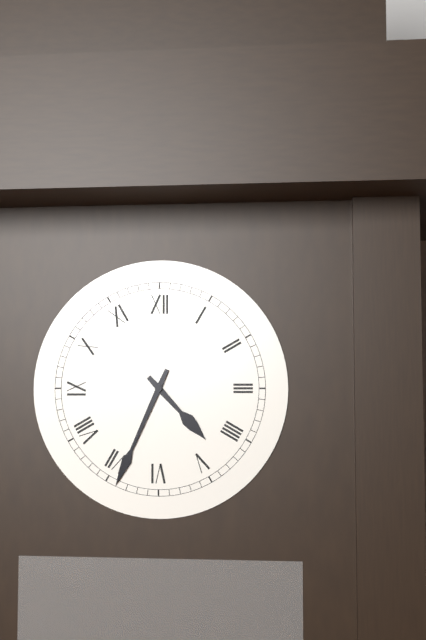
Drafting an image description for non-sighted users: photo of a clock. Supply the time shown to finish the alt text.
4:34
